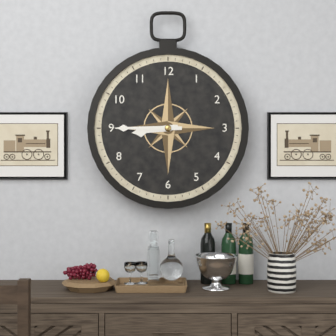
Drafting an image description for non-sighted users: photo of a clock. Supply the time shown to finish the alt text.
8:45
